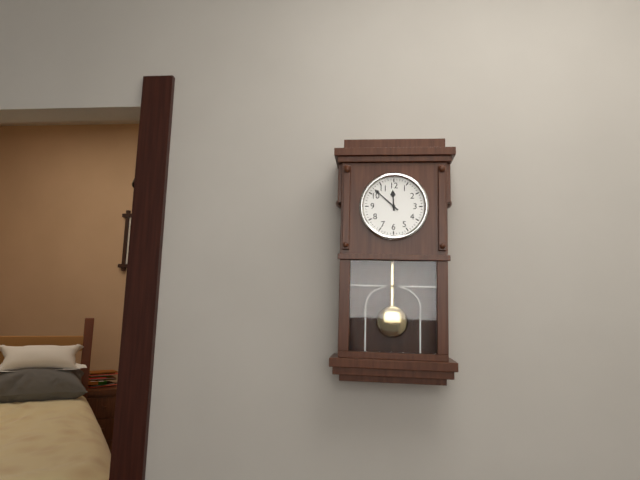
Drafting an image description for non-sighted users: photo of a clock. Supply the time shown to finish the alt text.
11:52
